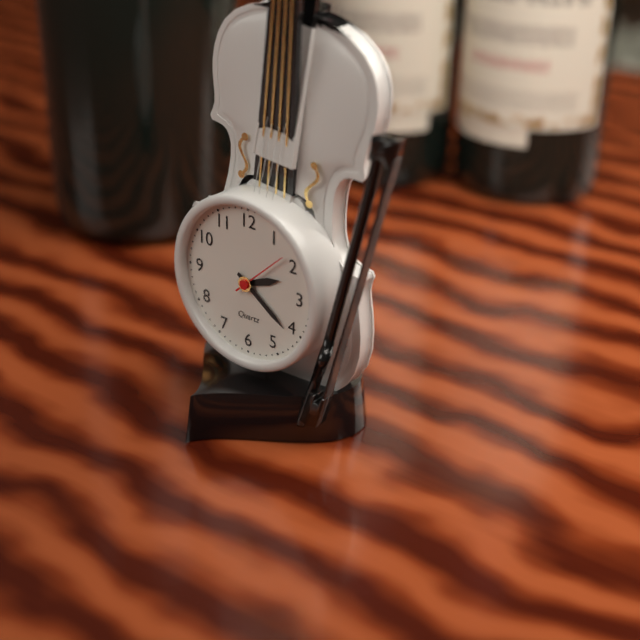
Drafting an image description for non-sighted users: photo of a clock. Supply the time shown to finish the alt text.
2:21:08
